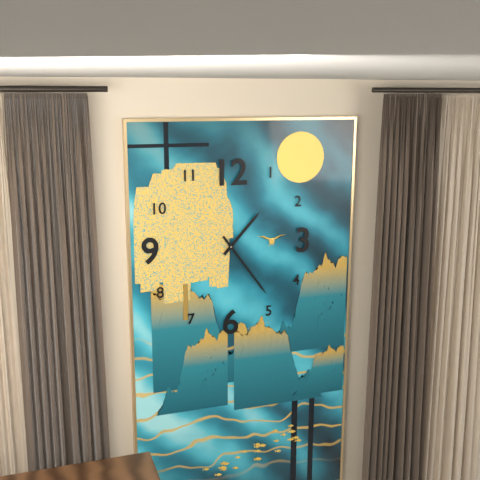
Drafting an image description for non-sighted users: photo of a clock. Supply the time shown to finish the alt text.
1:24
